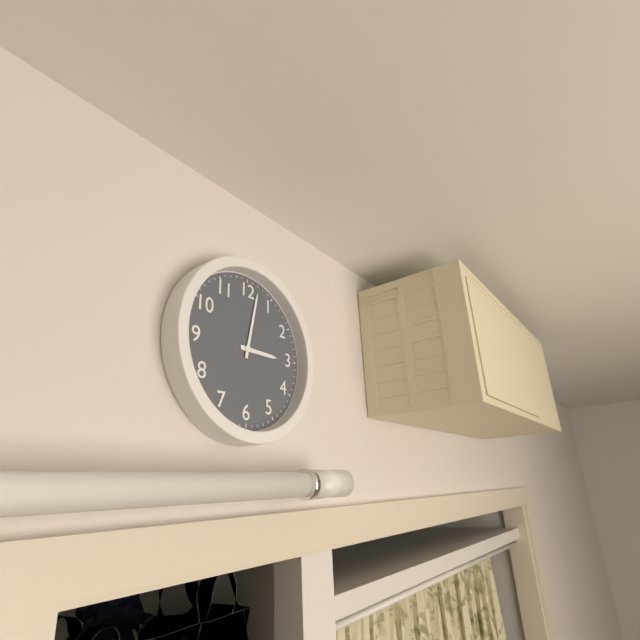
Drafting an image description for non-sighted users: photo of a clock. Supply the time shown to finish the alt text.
3:02
